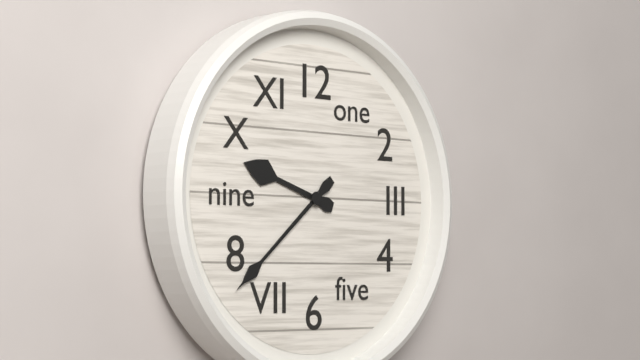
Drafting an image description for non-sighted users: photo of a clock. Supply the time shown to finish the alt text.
9:38
